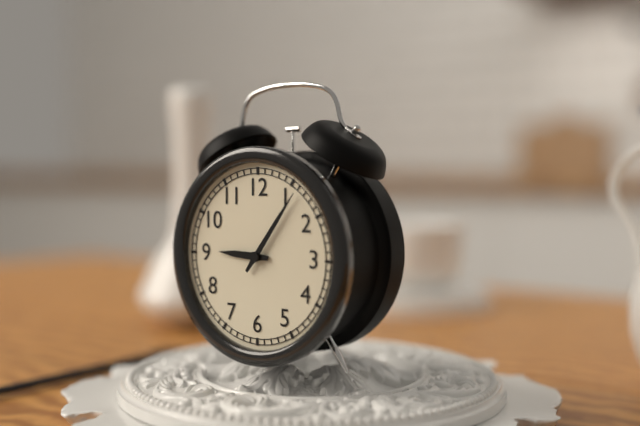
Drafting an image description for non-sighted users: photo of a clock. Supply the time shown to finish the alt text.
9:06
